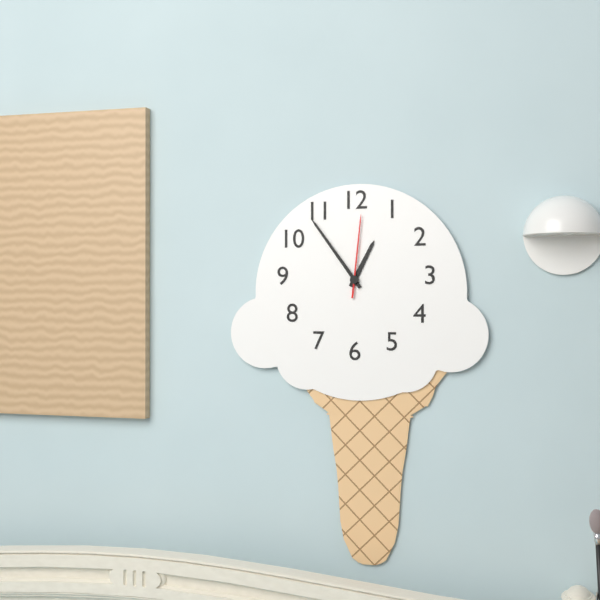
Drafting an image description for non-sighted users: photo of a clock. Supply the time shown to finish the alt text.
12:54:01
